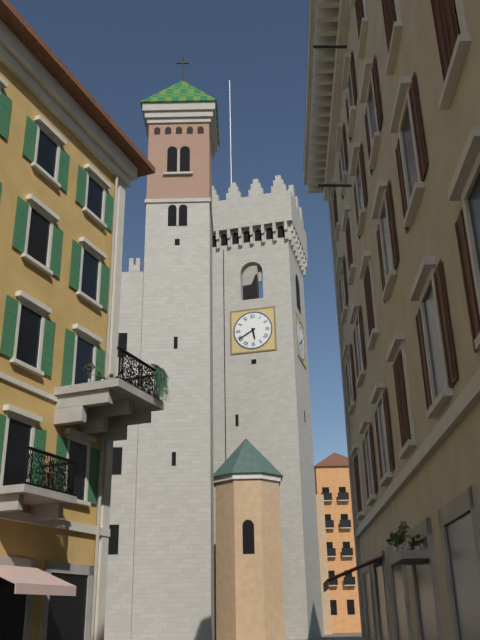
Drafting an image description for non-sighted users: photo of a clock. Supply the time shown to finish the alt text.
5:40
